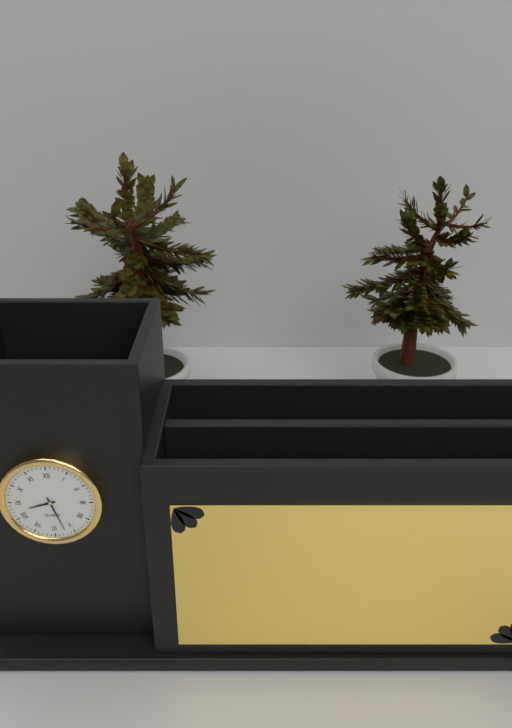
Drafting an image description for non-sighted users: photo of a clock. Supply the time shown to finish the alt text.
8:27
